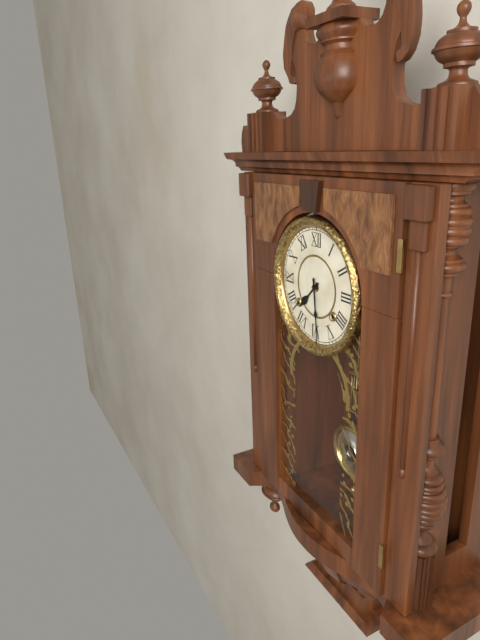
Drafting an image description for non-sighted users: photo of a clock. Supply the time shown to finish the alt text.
7:29
